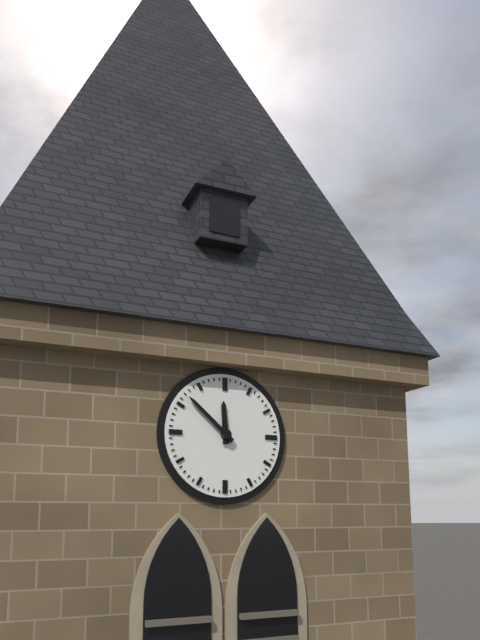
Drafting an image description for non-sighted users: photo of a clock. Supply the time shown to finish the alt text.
11:52
